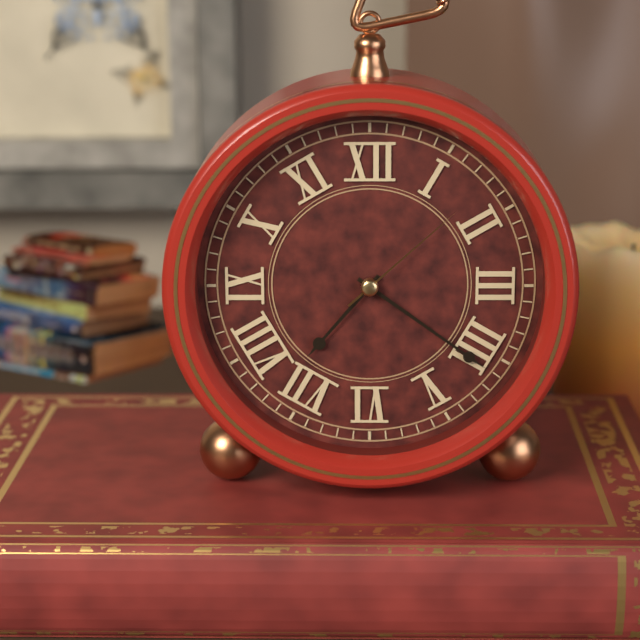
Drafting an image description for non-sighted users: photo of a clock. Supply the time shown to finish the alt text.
7:21:08
